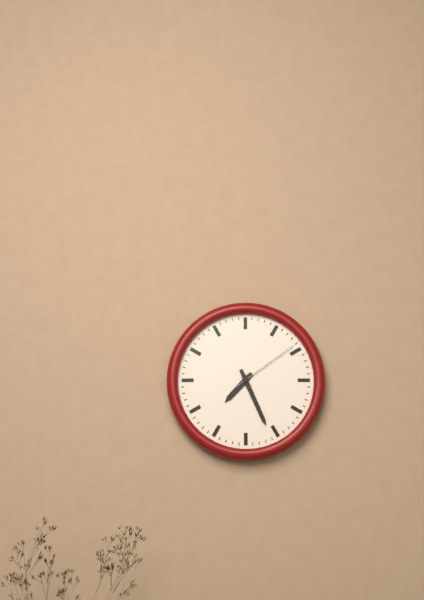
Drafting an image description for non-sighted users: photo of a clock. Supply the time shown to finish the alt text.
7:26:09
